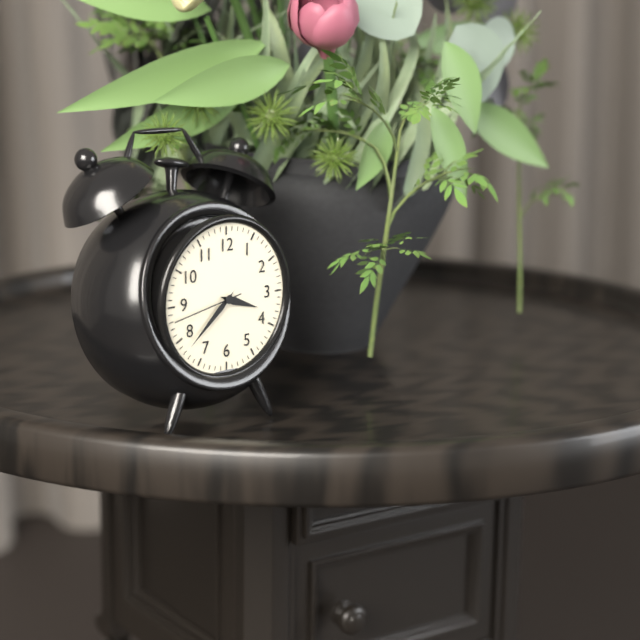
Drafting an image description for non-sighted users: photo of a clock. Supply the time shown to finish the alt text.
3:38:43
